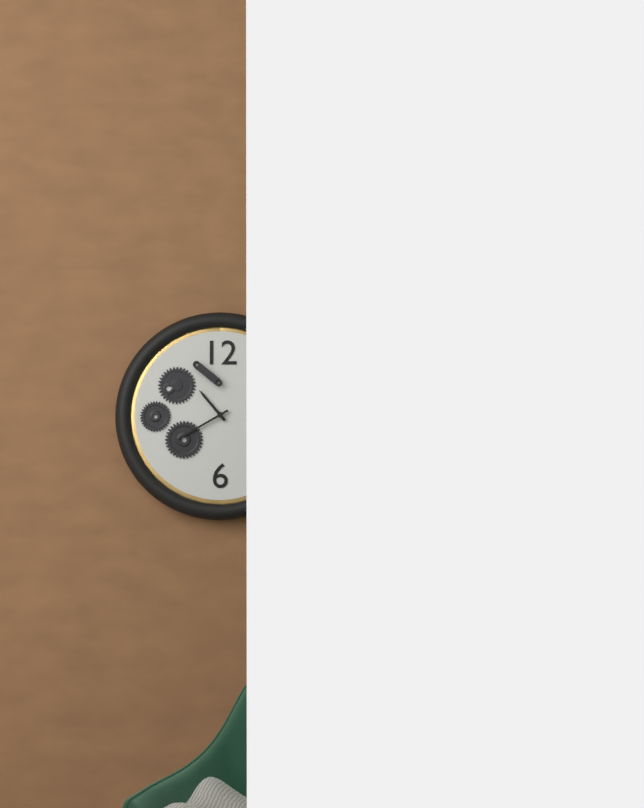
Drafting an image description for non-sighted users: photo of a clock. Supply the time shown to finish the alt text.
10:40
